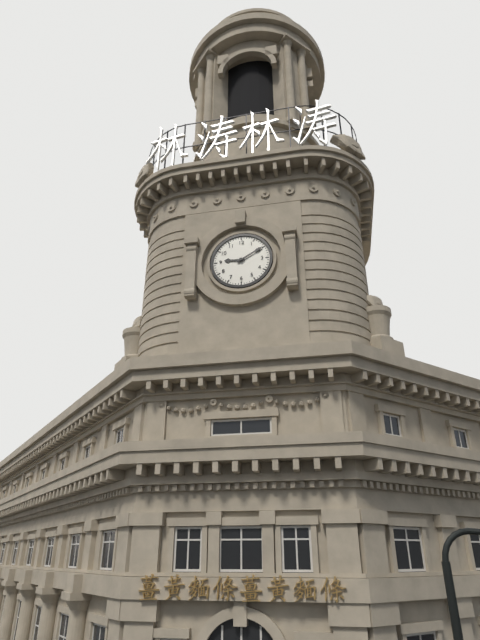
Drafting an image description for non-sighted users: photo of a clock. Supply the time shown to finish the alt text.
9:10
